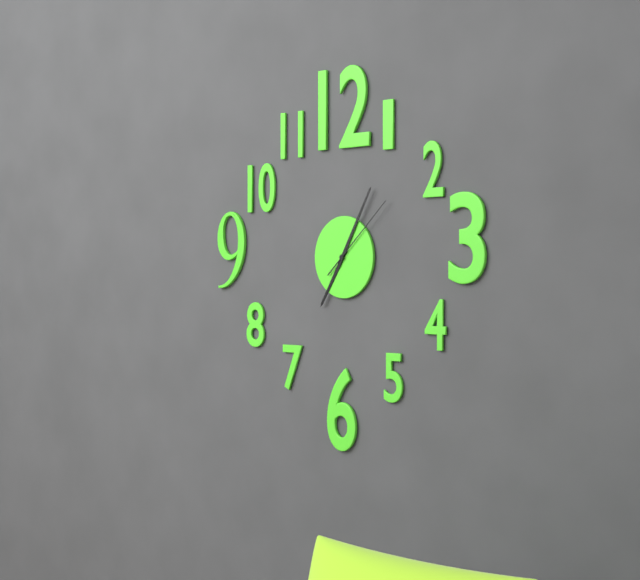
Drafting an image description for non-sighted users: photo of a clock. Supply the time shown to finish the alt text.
7:05:08
